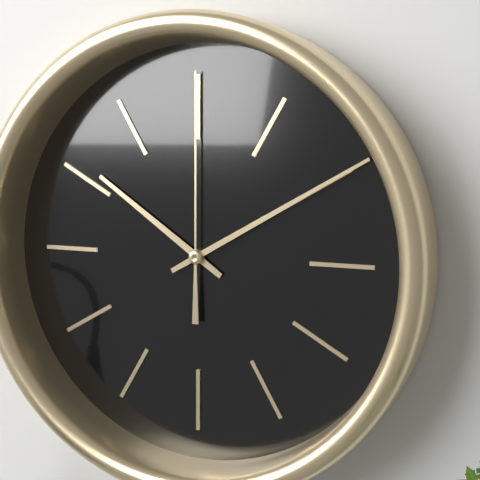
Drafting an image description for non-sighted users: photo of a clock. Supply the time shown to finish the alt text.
10:10:00
